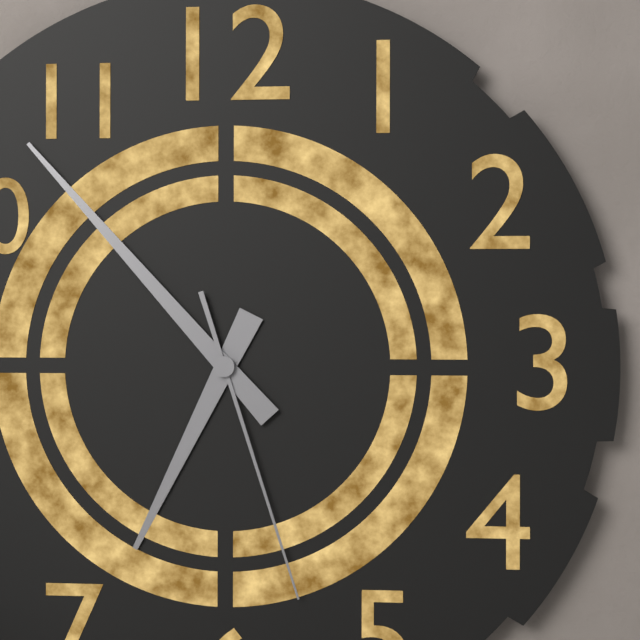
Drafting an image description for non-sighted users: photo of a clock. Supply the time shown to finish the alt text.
6:53:27
